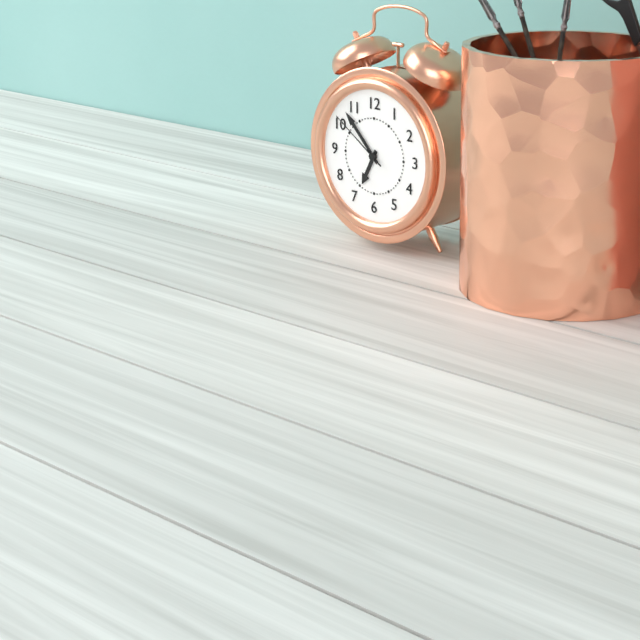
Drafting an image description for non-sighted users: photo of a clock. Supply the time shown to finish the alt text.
6:53:51
